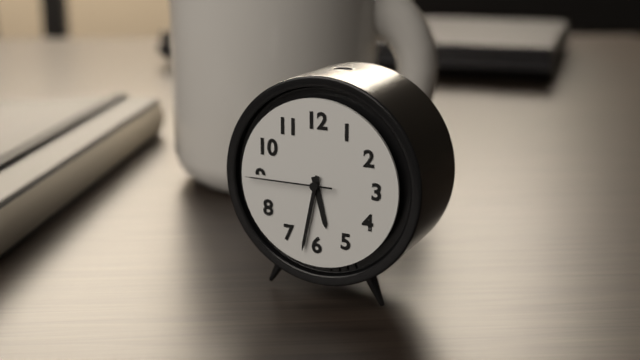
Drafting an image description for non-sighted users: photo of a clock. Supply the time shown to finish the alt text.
5:32:45
